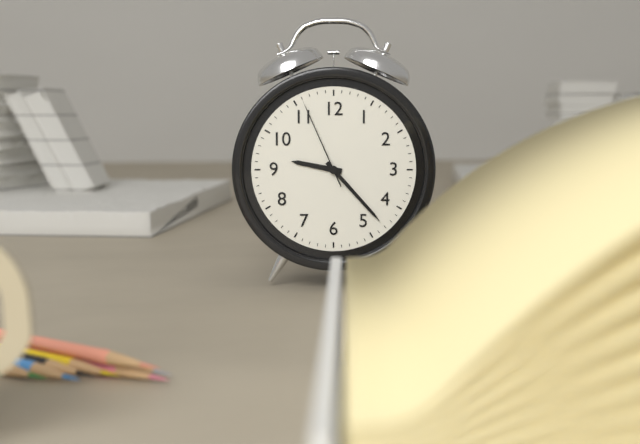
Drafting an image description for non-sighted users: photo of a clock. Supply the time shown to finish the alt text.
9:23:56
